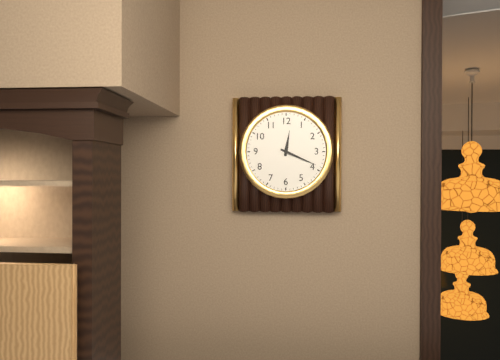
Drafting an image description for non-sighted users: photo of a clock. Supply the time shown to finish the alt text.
12:19
